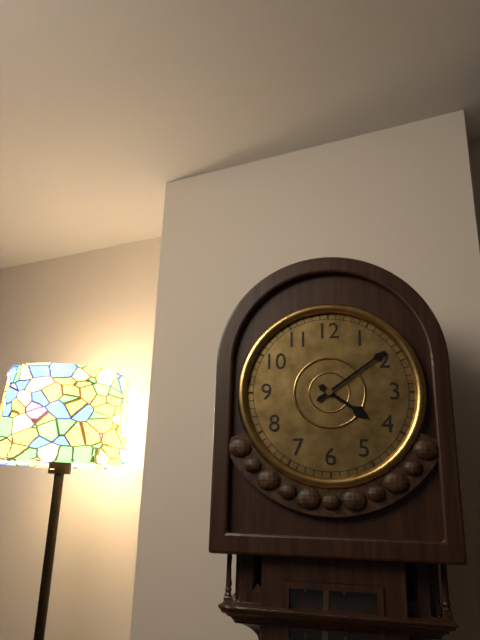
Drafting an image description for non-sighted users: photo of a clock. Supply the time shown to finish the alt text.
4:09
